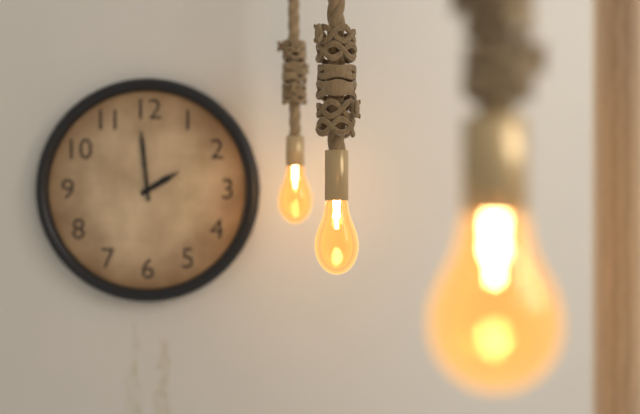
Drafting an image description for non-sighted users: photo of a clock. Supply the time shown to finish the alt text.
1:59
